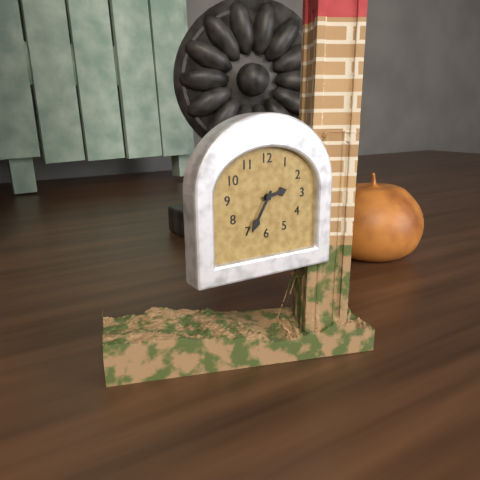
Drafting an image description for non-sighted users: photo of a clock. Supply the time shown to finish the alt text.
2:35
